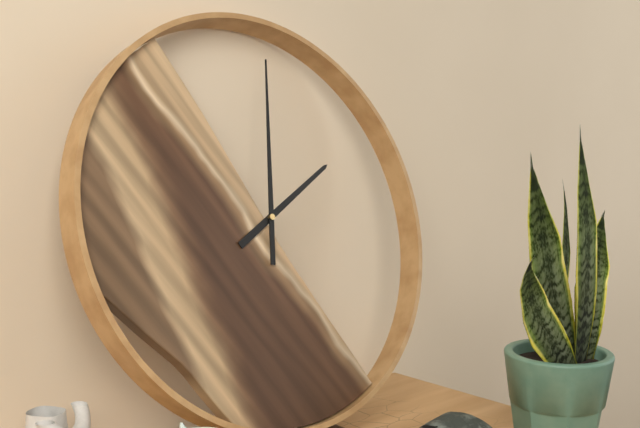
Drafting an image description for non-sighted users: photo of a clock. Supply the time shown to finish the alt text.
2:02
